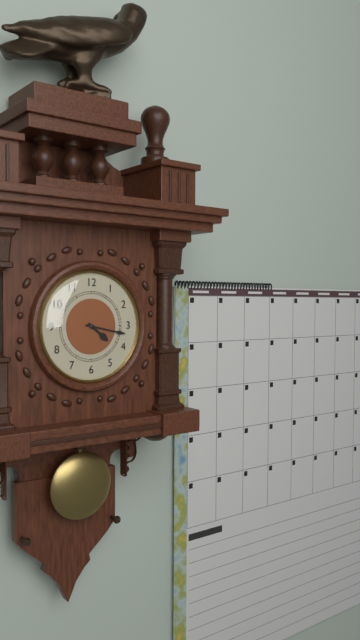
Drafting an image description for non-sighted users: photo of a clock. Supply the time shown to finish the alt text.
4:17
